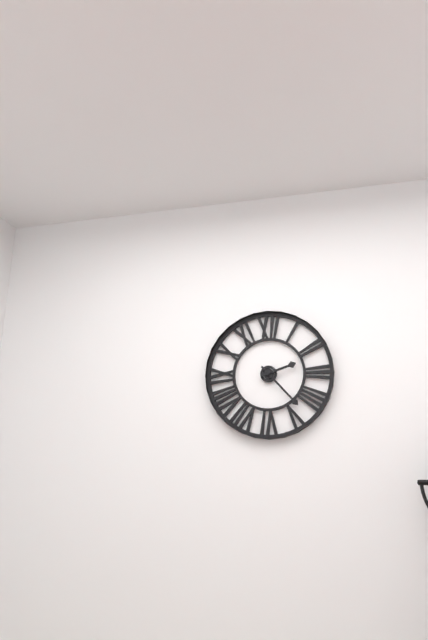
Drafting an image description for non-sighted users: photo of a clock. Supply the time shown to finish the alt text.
2:23
